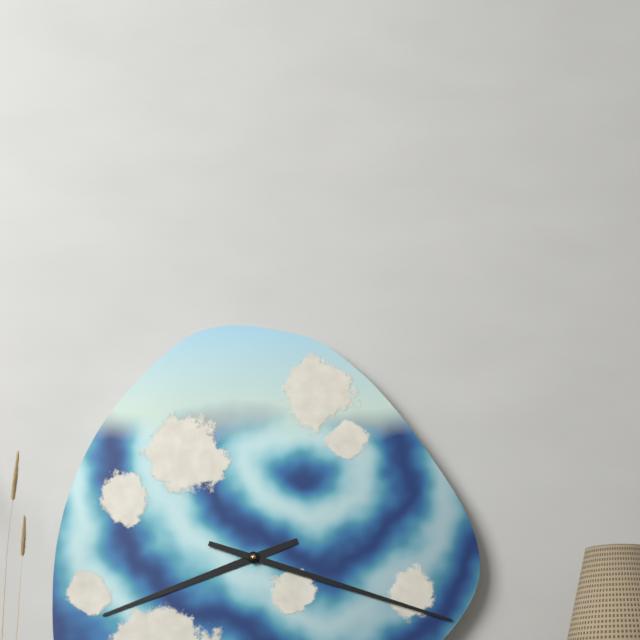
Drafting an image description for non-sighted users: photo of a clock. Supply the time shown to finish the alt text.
8:18
